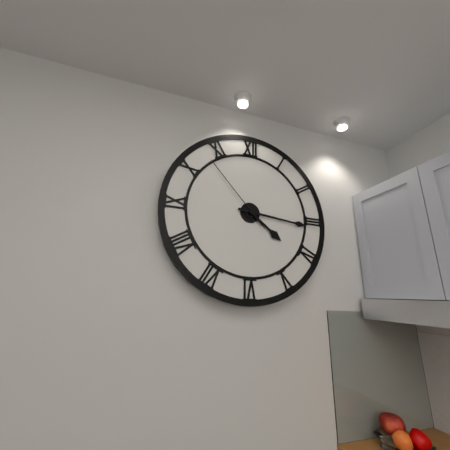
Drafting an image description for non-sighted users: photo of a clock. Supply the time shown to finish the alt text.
4:16:53
